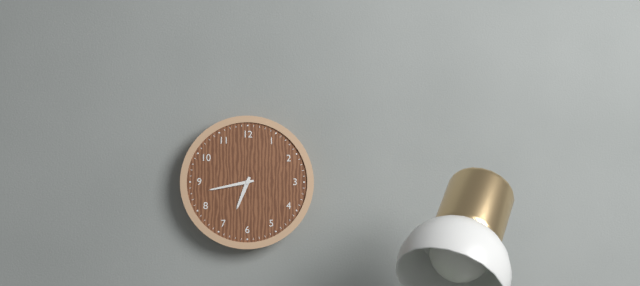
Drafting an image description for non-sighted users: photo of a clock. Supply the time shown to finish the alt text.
6:43
